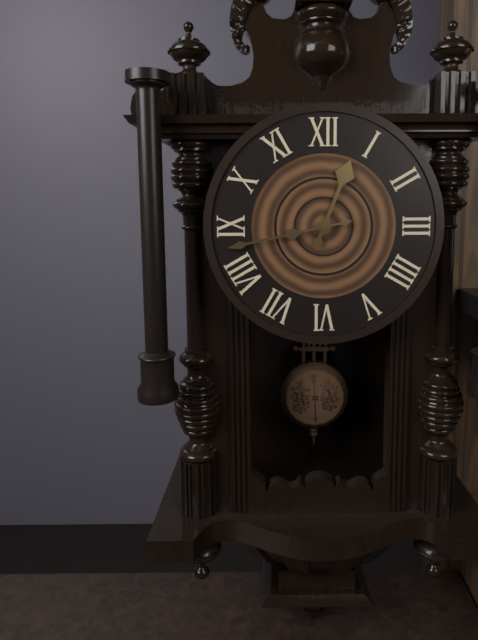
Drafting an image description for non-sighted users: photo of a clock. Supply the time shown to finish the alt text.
12:43
